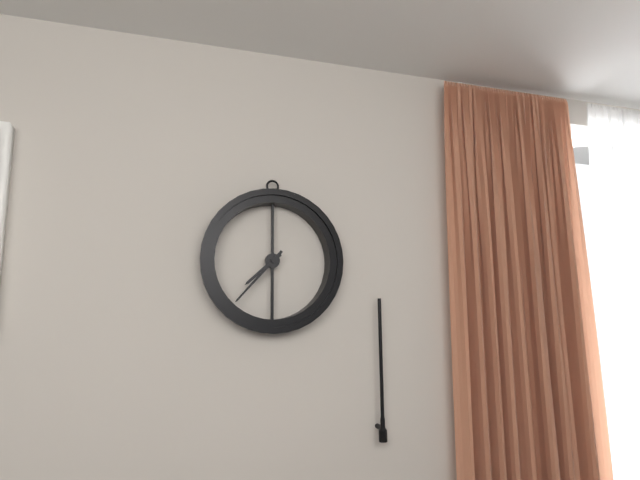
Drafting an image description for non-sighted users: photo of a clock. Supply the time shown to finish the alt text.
7:37
